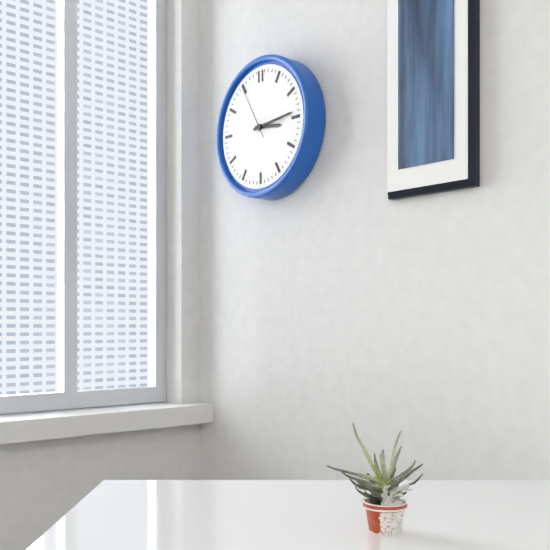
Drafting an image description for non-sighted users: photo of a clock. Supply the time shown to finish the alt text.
3:14:55
